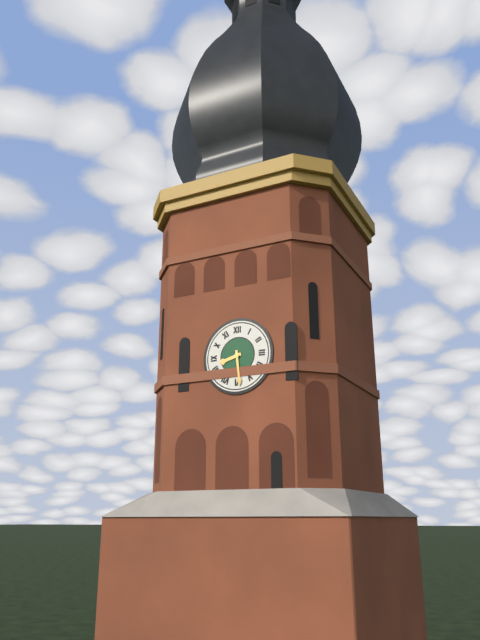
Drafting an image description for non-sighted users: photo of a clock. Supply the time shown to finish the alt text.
8:29
